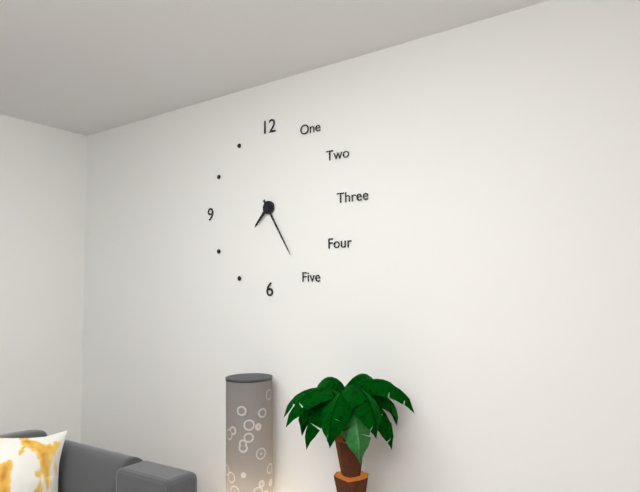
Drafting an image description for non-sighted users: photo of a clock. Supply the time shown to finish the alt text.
7:25
